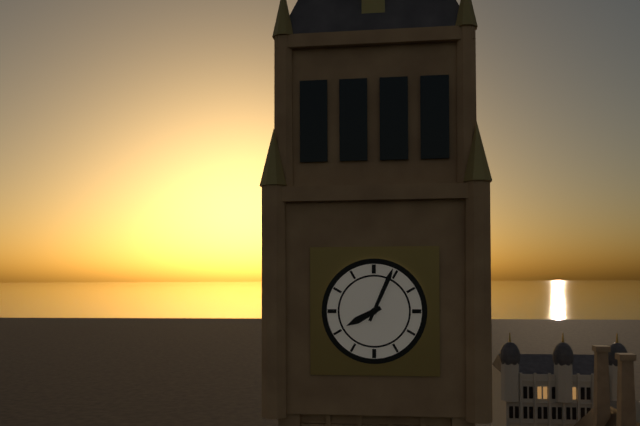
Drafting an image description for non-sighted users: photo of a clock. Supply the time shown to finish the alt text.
8:04
